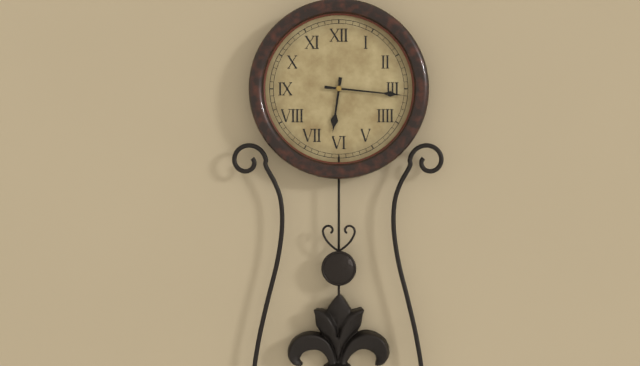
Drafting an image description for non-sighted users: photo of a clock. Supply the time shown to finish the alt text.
6:16
